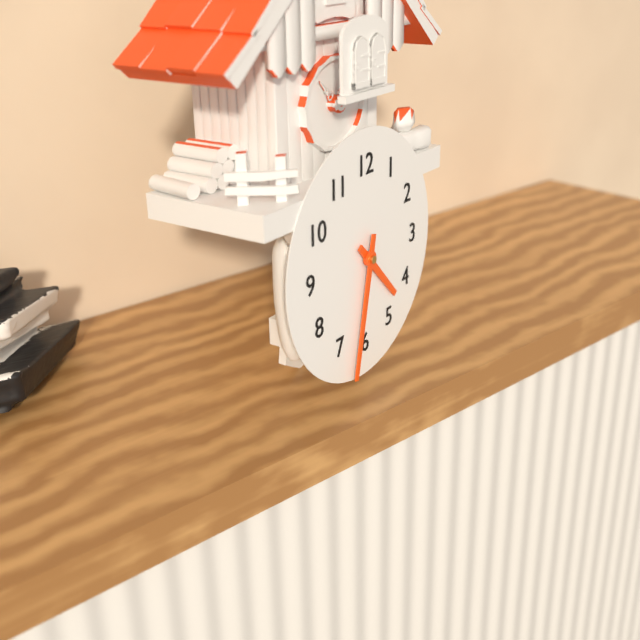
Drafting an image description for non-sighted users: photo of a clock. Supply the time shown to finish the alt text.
4:32
